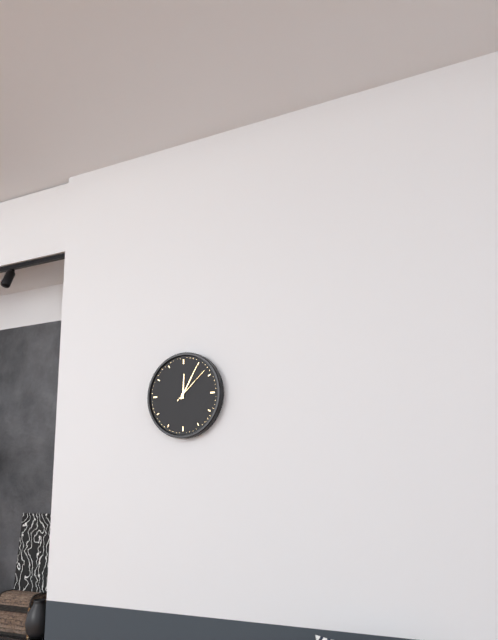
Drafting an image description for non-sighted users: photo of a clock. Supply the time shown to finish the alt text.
12:05
